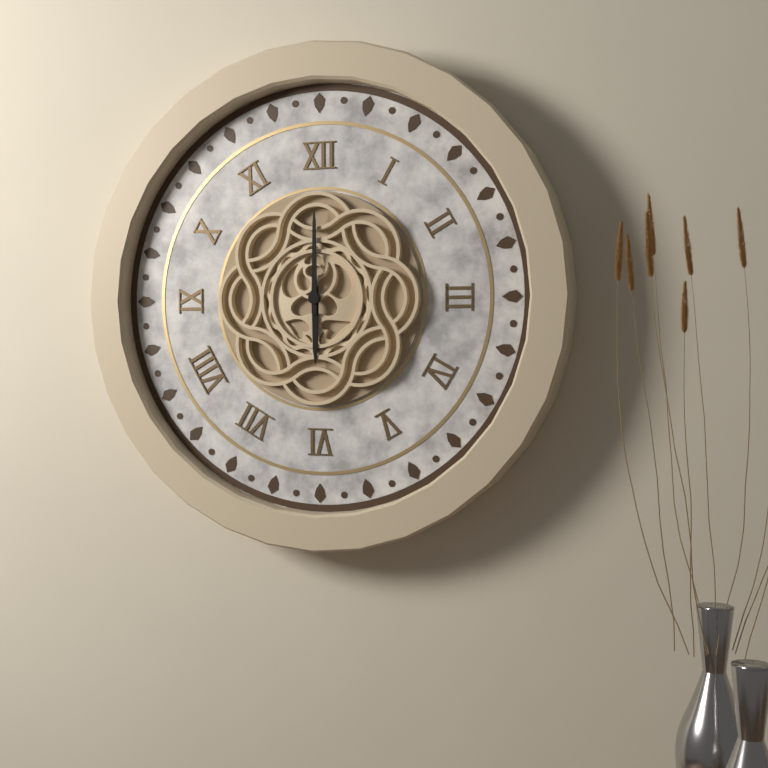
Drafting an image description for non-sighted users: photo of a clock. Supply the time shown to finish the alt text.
6:00
